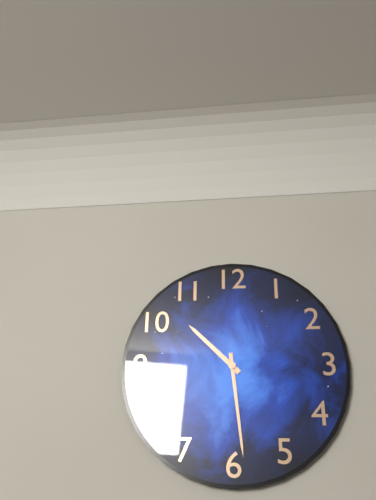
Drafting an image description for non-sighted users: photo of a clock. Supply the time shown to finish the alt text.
10:29
